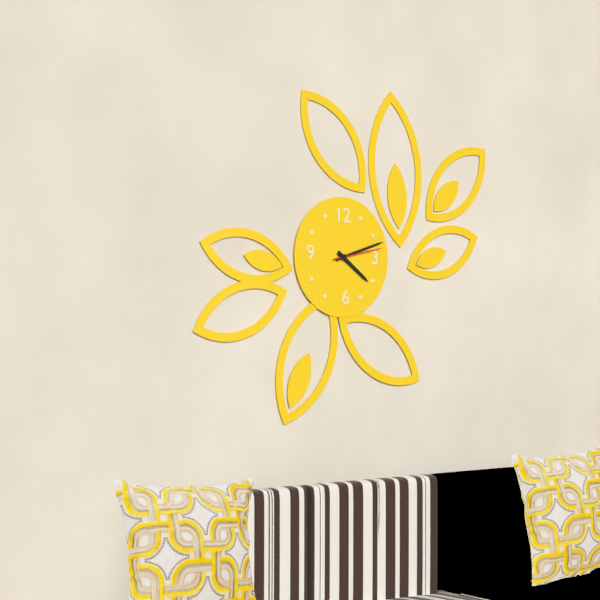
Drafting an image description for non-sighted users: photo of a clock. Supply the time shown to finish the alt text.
4:12:13
